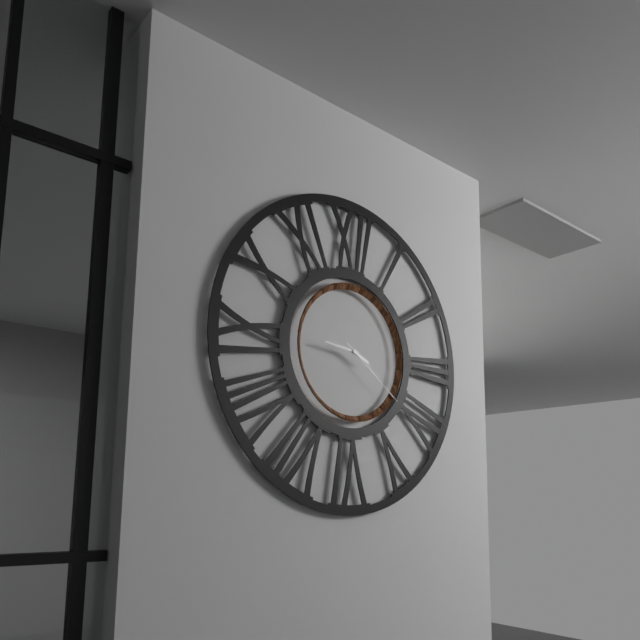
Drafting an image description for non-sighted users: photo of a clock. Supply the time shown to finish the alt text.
3:46:21
